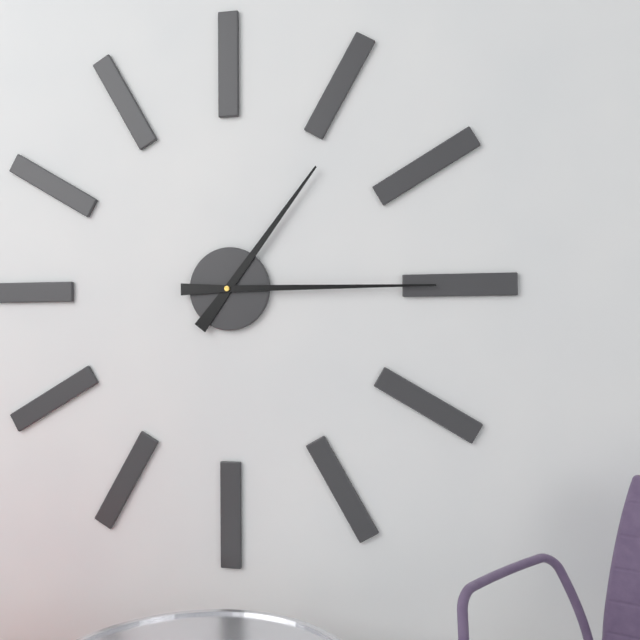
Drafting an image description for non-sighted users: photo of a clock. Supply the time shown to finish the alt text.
1:15
